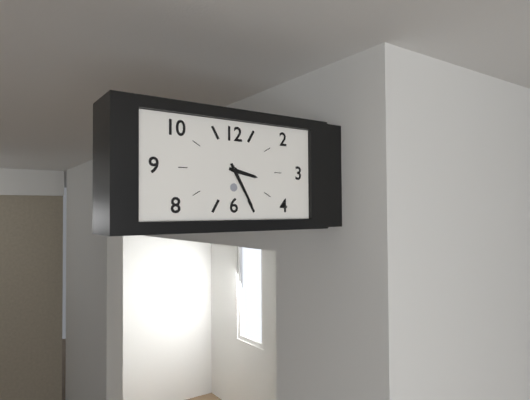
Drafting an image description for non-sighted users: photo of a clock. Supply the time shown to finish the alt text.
3:25
